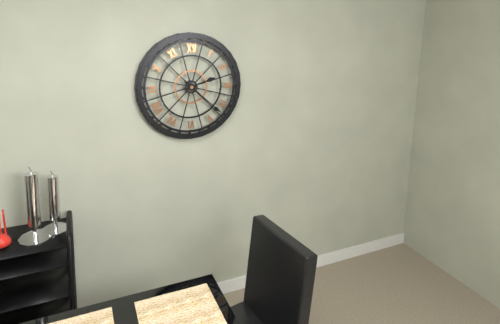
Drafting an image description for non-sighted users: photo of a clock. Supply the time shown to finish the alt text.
2:22
